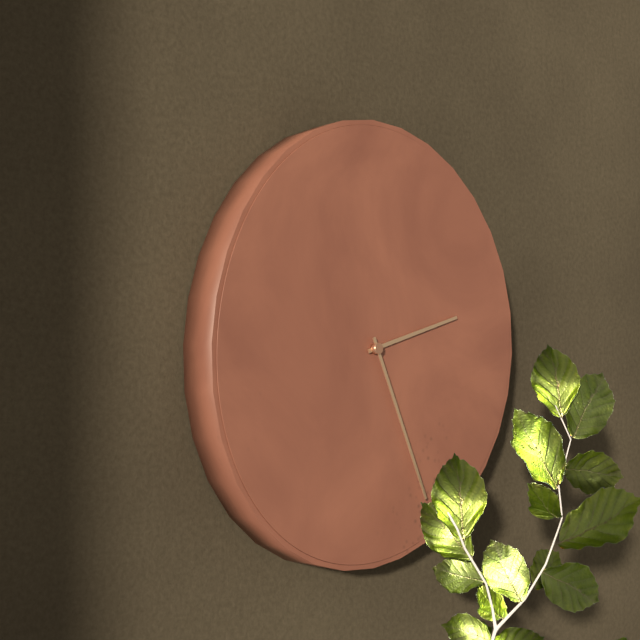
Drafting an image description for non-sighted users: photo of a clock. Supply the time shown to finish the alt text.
2:26
